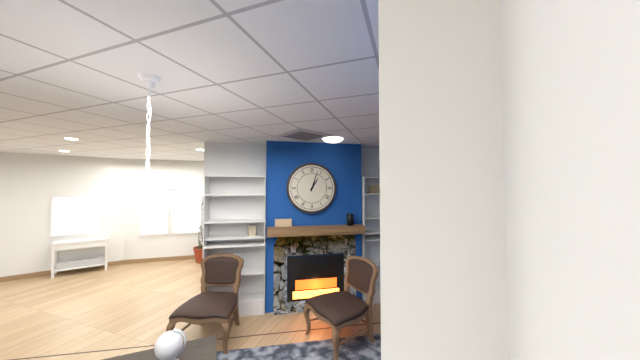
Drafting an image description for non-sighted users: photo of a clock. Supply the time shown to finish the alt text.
1:03
